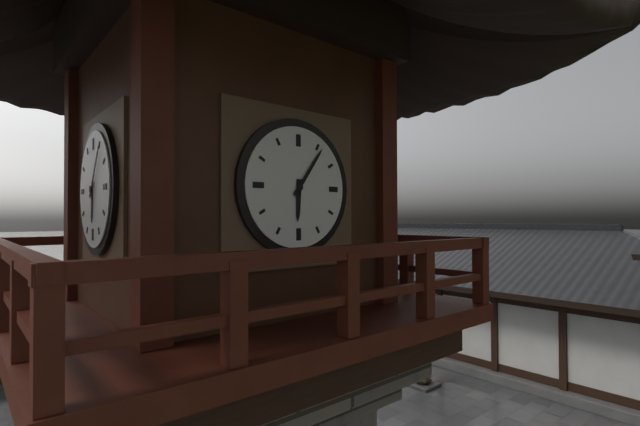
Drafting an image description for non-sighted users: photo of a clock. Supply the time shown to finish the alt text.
6:06
